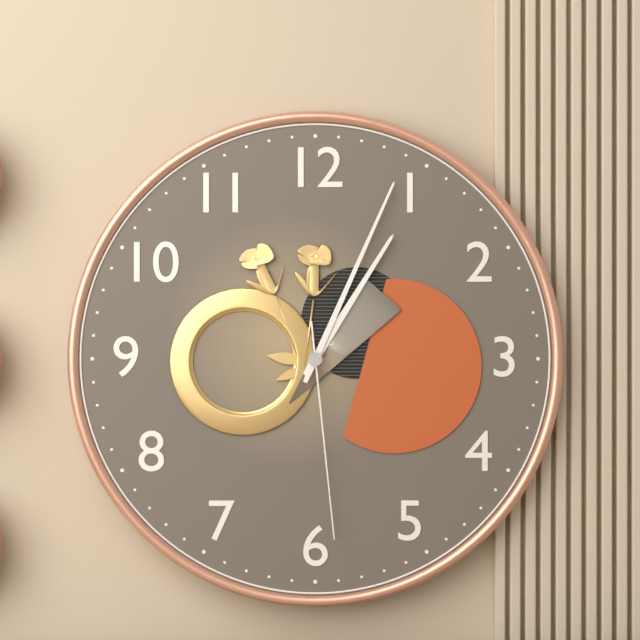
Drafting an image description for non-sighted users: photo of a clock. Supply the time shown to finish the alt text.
1:04:29
